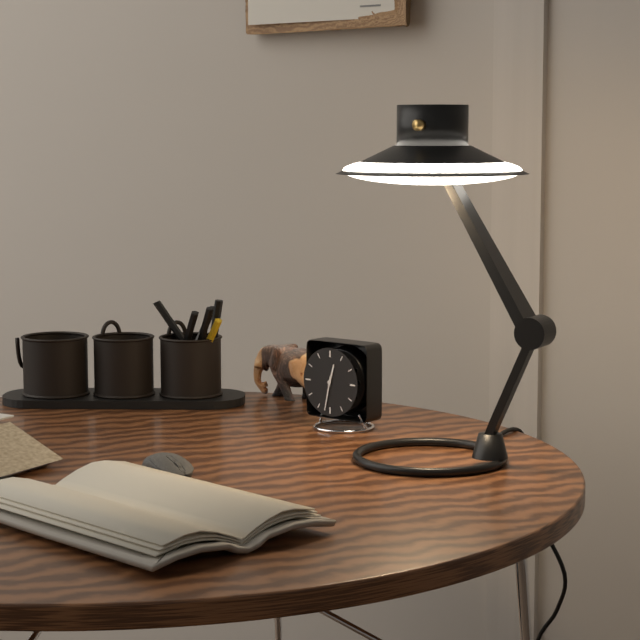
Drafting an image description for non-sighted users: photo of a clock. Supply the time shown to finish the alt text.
12:32
